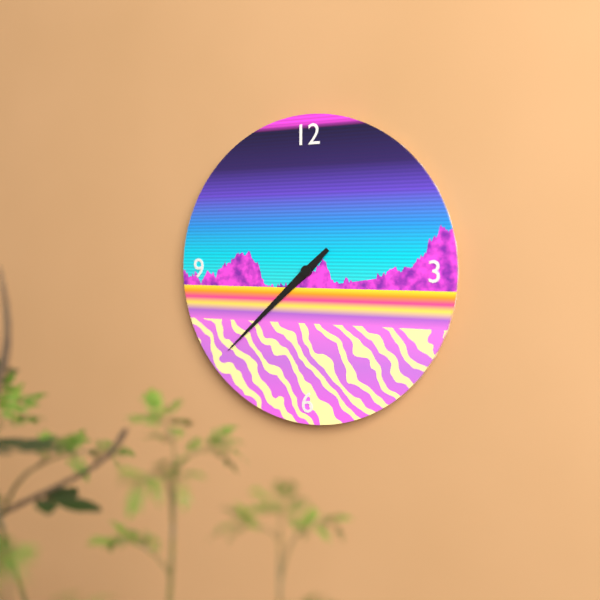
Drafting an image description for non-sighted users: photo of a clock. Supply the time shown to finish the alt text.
7:38
